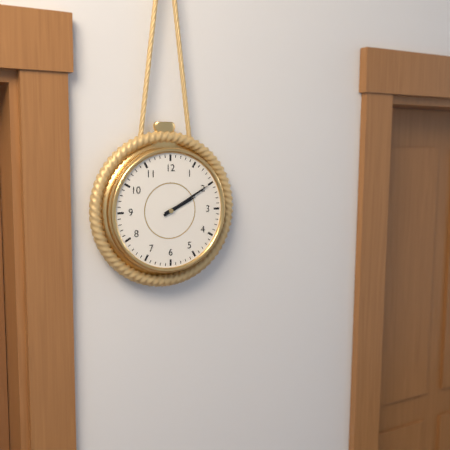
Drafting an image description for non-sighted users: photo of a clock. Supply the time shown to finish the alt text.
2:10
